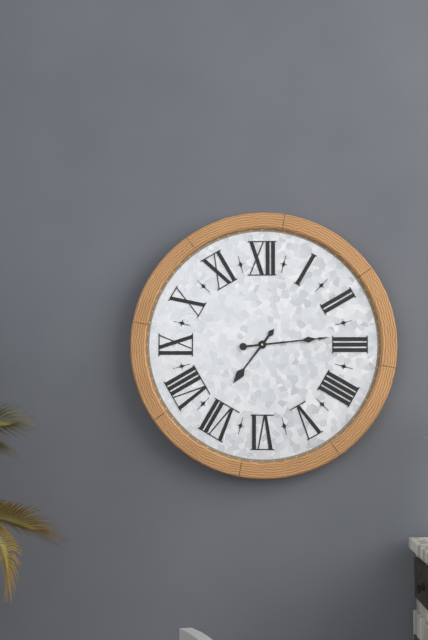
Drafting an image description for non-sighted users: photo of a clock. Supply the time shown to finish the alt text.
7:14
